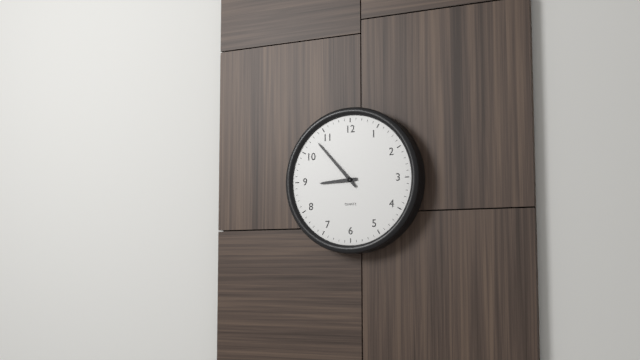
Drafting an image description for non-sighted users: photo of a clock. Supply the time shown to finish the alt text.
8:53
